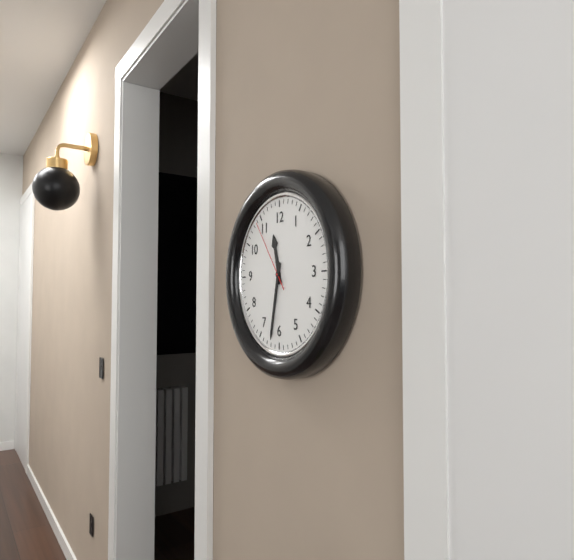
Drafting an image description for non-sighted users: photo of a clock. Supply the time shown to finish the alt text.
11:32:54
